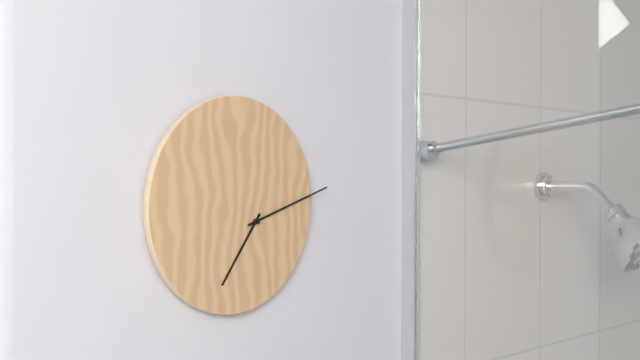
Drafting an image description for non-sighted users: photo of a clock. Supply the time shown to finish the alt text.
7:12
